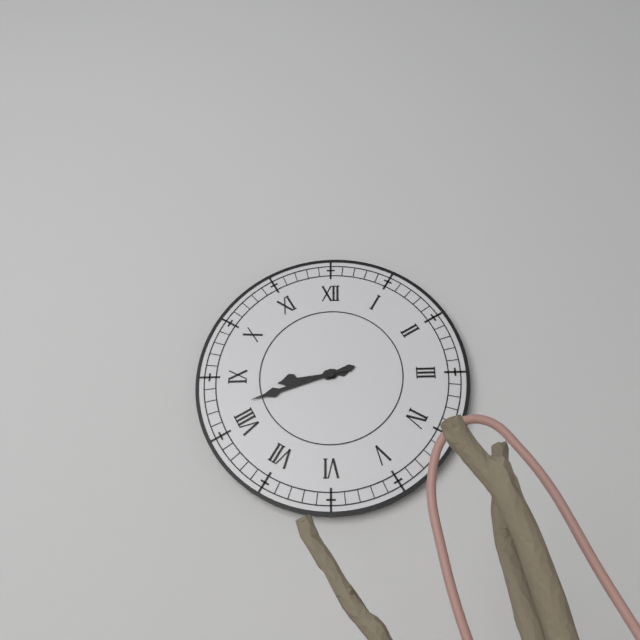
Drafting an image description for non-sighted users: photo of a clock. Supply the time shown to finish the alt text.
8:42
